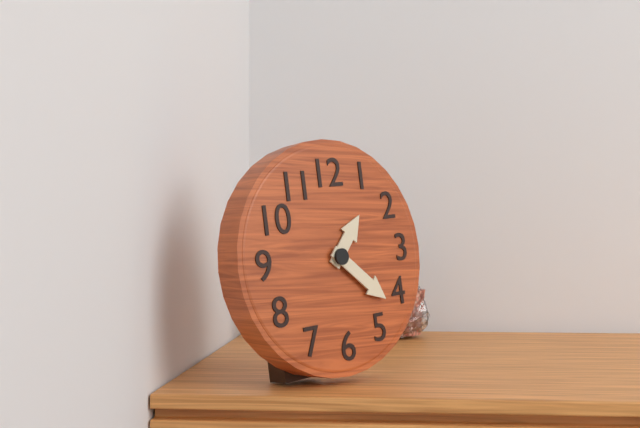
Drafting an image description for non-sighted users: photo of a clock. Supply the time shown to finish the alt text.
1:22
